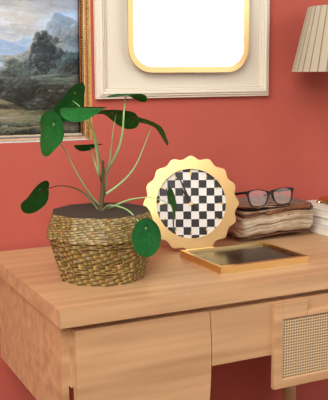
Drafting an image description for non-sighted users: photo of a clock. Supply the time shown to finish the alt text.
10:56
